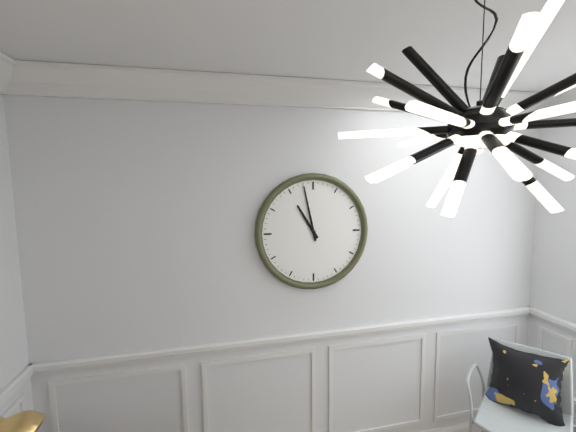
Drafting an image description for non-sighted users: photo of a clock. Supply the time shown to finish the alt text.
10:58
